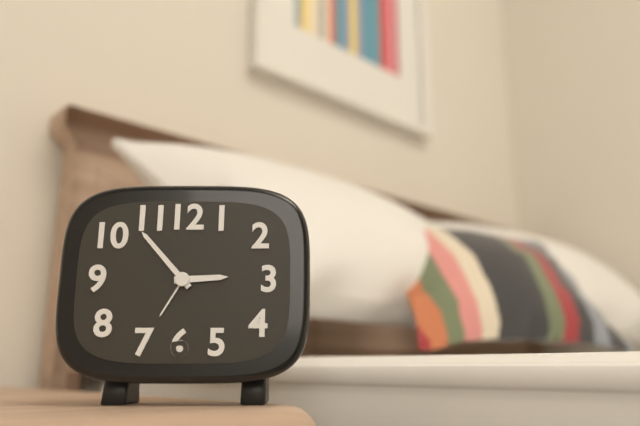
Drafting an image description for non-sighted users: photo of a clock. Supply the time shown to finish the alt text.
2:53
